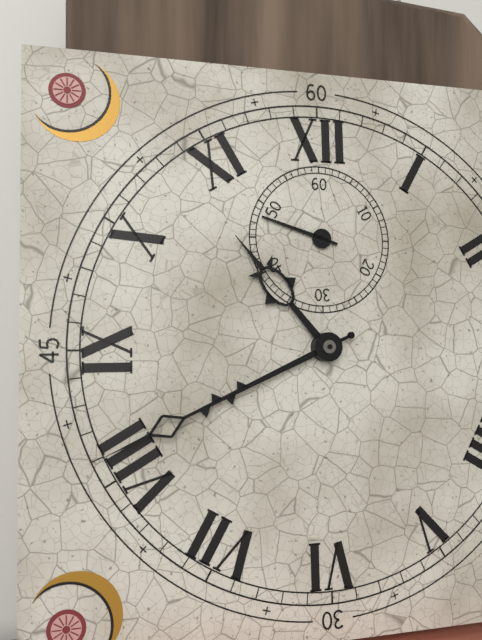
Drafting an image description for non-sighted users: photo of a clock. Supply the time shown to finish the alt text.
10:41:48
